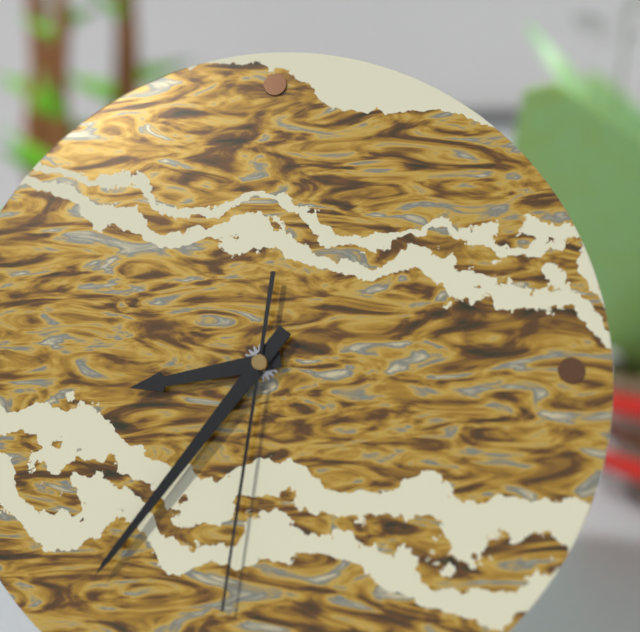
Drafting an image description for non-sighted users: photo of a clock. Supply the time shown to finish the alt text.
8:36:31
